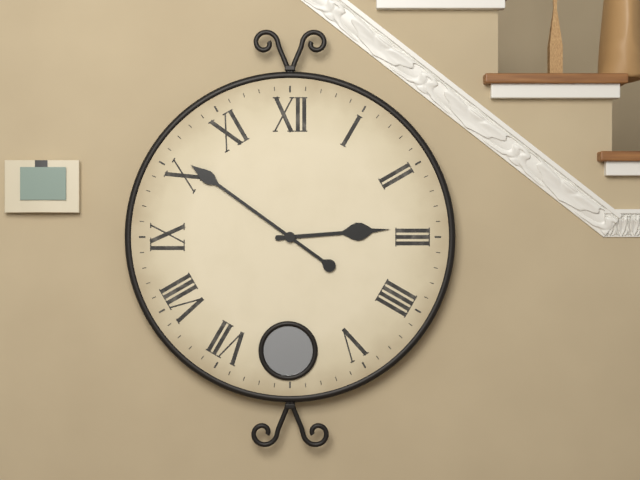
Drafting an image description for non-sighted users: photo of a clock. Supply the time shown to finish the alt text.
2:51
